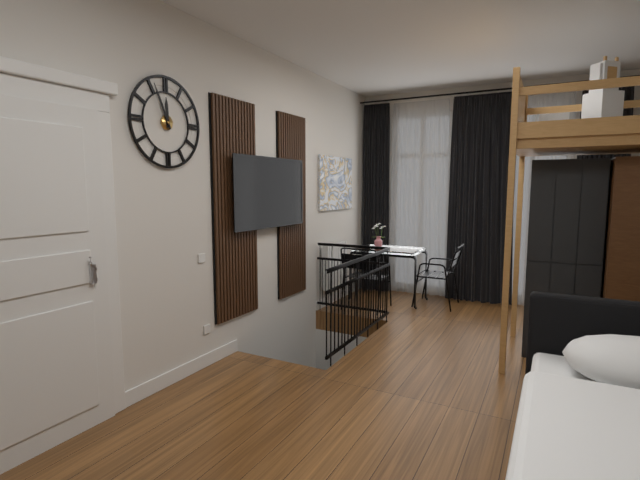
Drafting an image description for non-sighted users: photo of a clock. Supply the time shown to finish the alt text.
11:56
